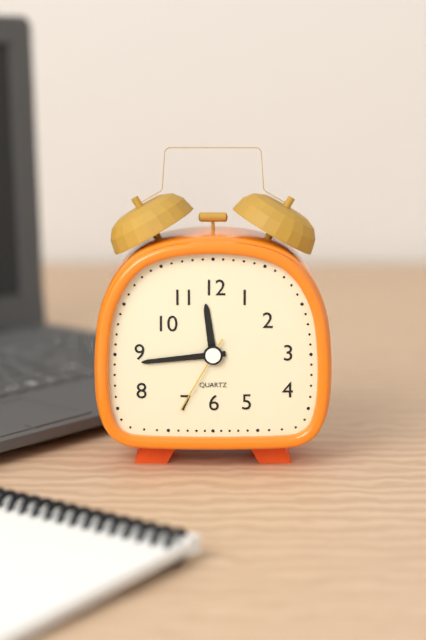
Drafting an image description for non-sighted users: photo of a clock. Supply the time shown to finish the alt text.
11:44:35
